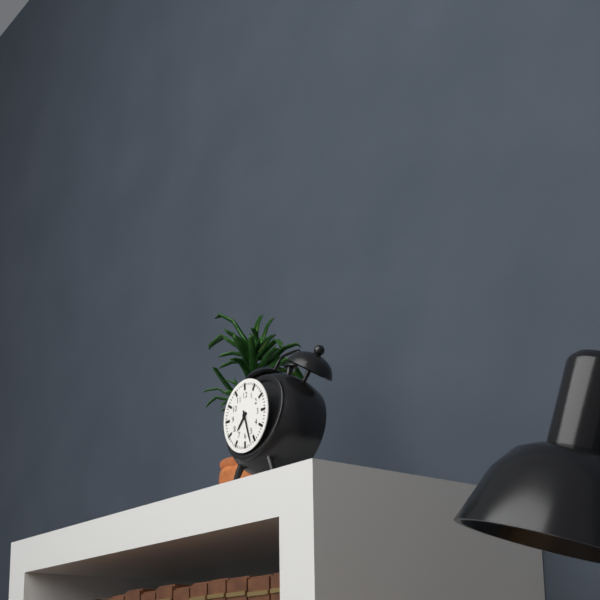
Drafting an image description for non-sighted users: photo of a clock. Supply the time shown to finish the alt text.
7:27
